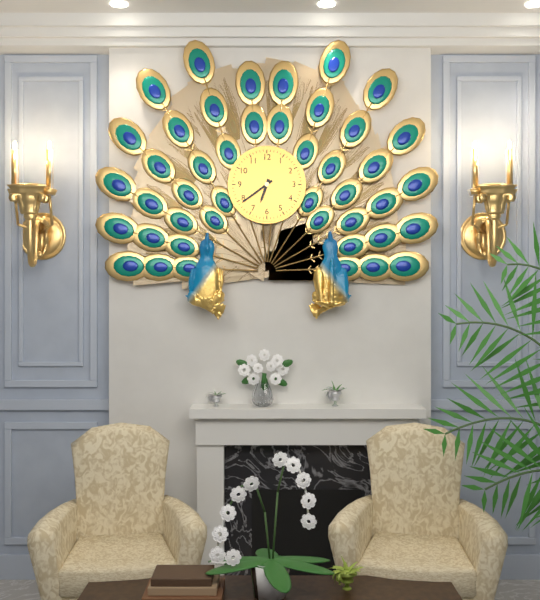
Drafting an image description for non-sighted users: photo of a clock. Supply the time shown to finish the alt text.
6:39
